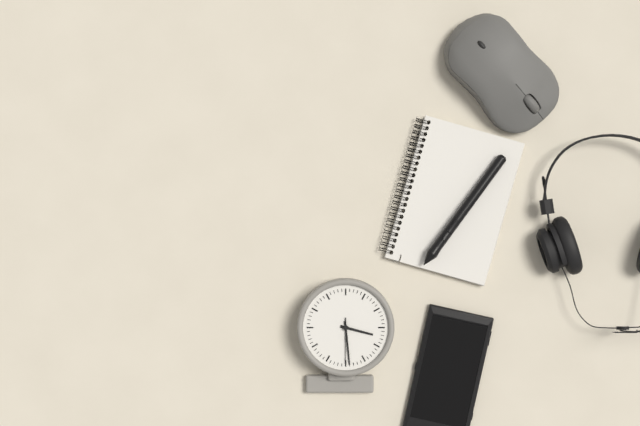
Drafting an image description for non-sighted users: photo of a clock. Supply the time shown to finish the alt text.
3:29
